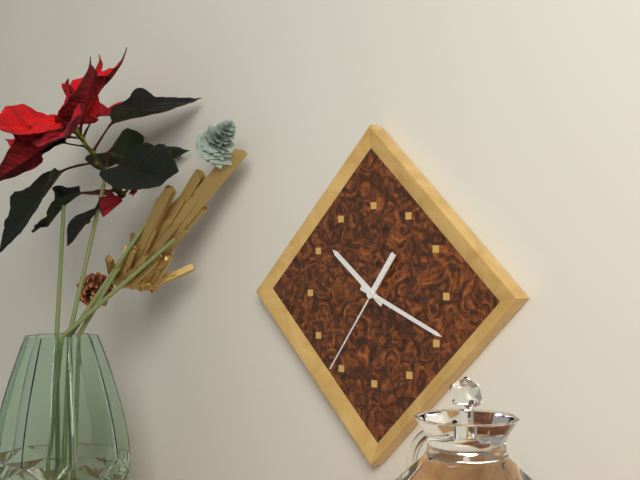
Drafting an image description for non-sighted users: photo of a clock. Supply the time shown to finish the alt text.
10:19:36
